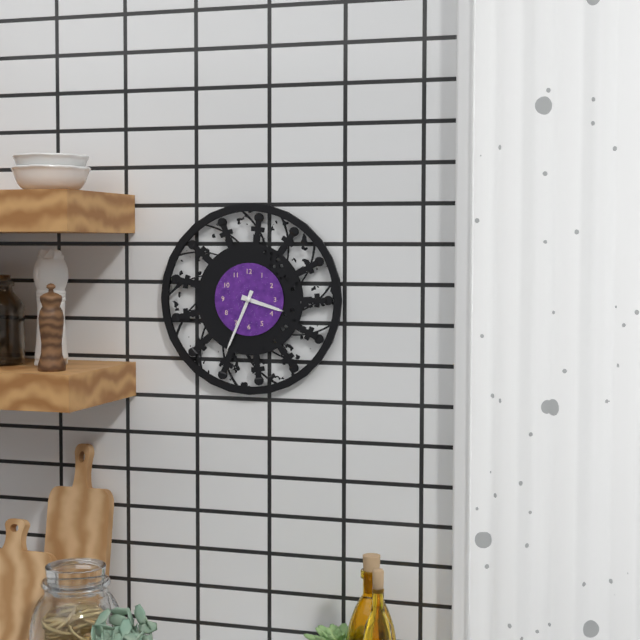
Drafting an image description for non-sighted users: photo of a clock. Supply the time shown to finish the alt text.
3:34
